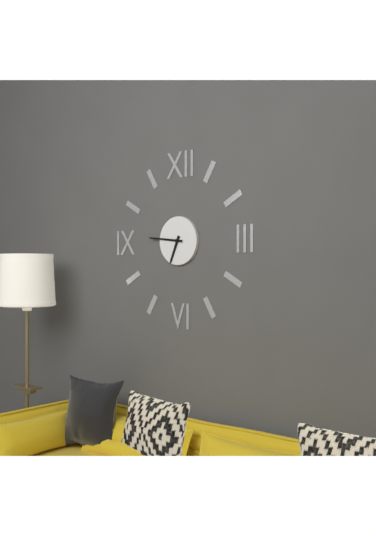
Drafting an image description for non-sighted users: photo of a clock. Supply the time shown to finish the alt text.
6:46
